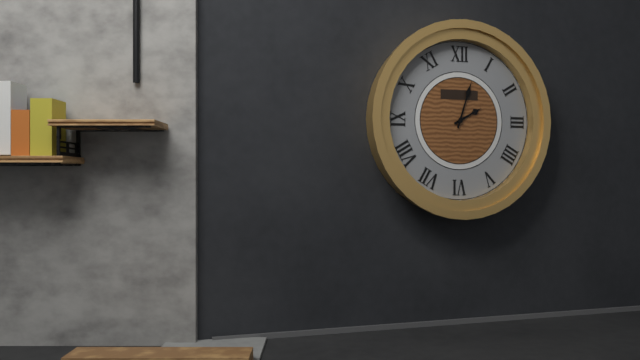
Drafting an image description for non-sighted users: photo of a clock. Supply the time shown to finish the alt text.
2:03
